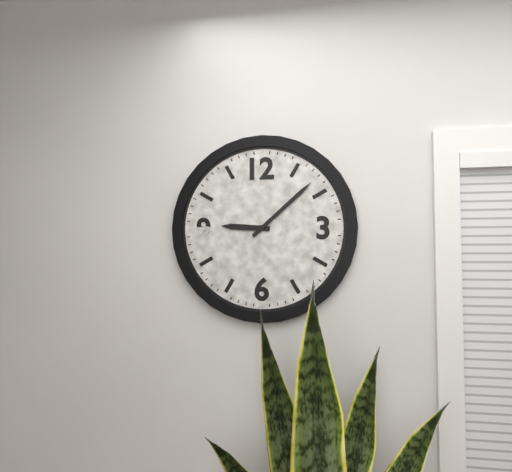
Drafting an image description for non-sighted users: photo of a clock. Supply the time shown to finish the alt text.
9:08
